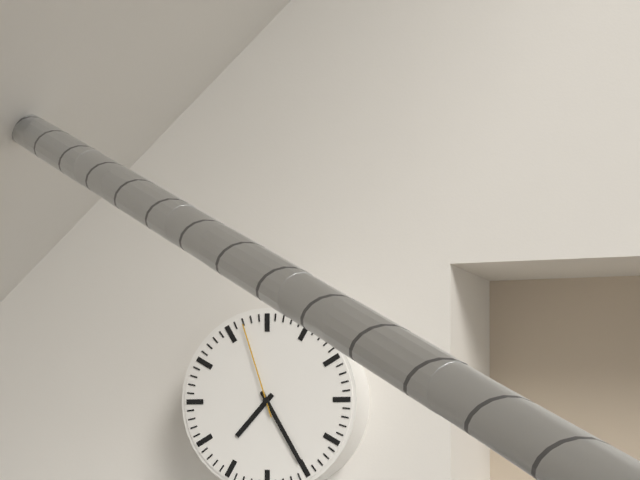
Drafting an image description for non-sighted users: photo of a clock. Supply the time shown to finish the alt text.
7:25:57
